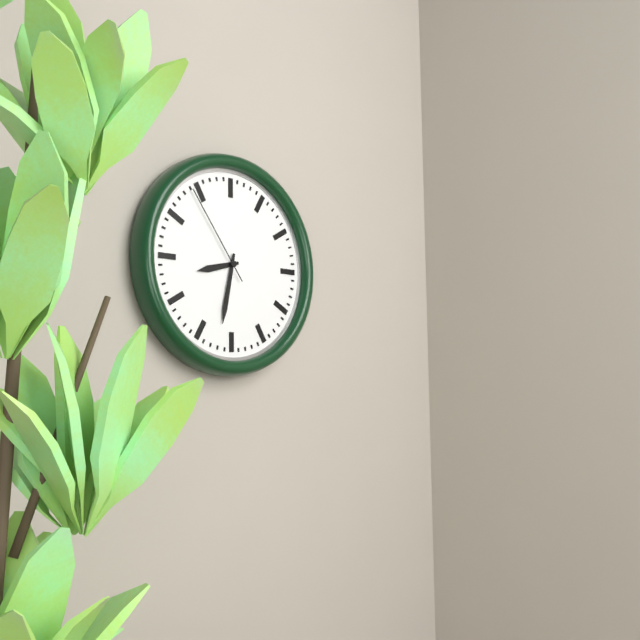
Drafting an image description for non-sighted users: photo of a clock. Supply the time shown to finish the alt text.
8:32:54
